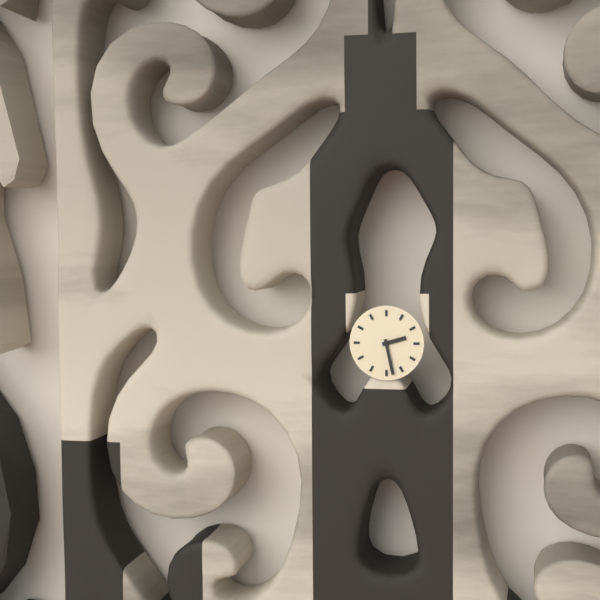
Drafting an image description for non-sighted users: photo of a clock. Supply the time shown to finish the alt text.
2:28
